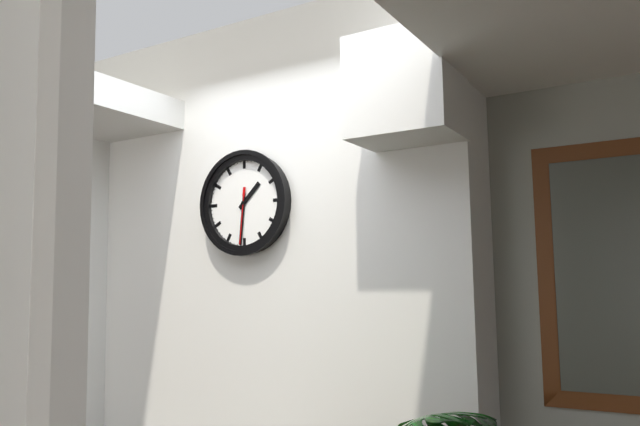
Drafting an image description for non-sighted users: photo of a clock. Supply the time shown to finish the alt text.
1:31:31
